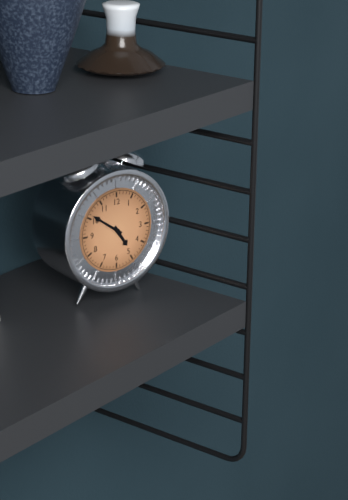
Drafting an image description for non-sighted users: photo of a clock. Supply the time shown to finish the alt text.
4:51
